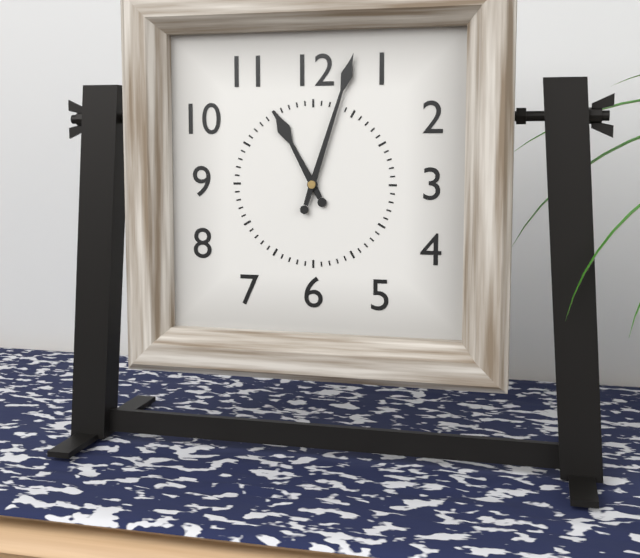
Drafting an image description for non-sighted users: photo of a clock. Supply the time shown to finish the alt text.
11:03
